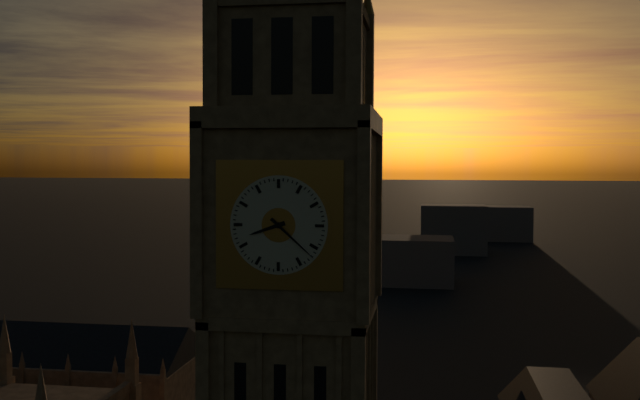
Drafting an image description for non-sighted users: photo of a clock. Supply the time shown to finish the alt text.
8:22
